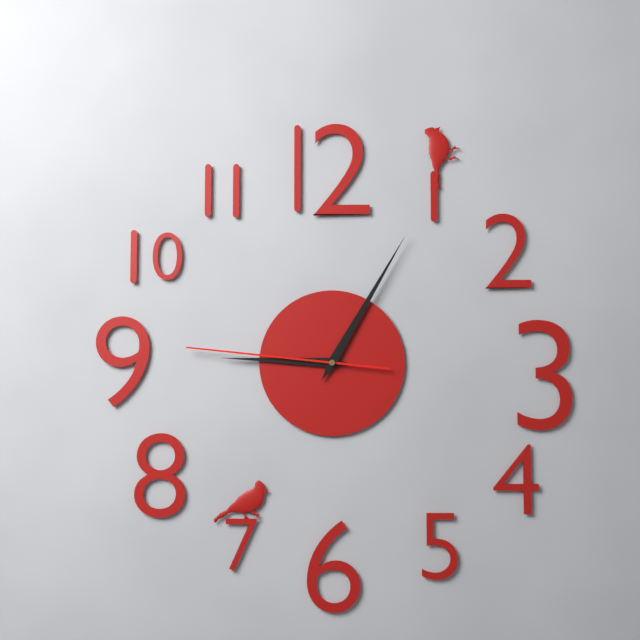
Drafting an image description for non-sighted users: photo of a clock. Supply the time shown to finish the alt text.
9:05:46
